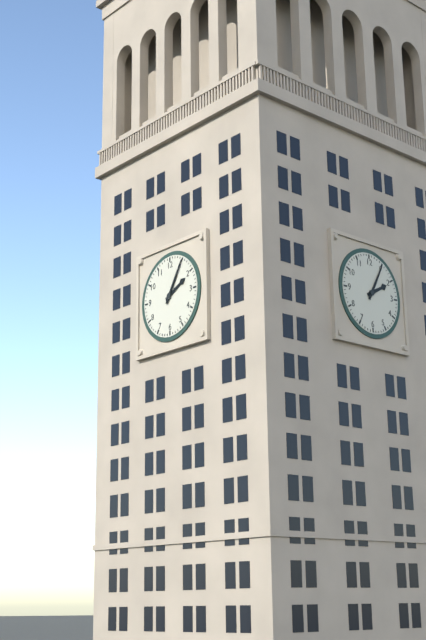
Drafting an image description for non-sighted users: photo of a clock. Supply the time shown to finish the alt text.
2:05
